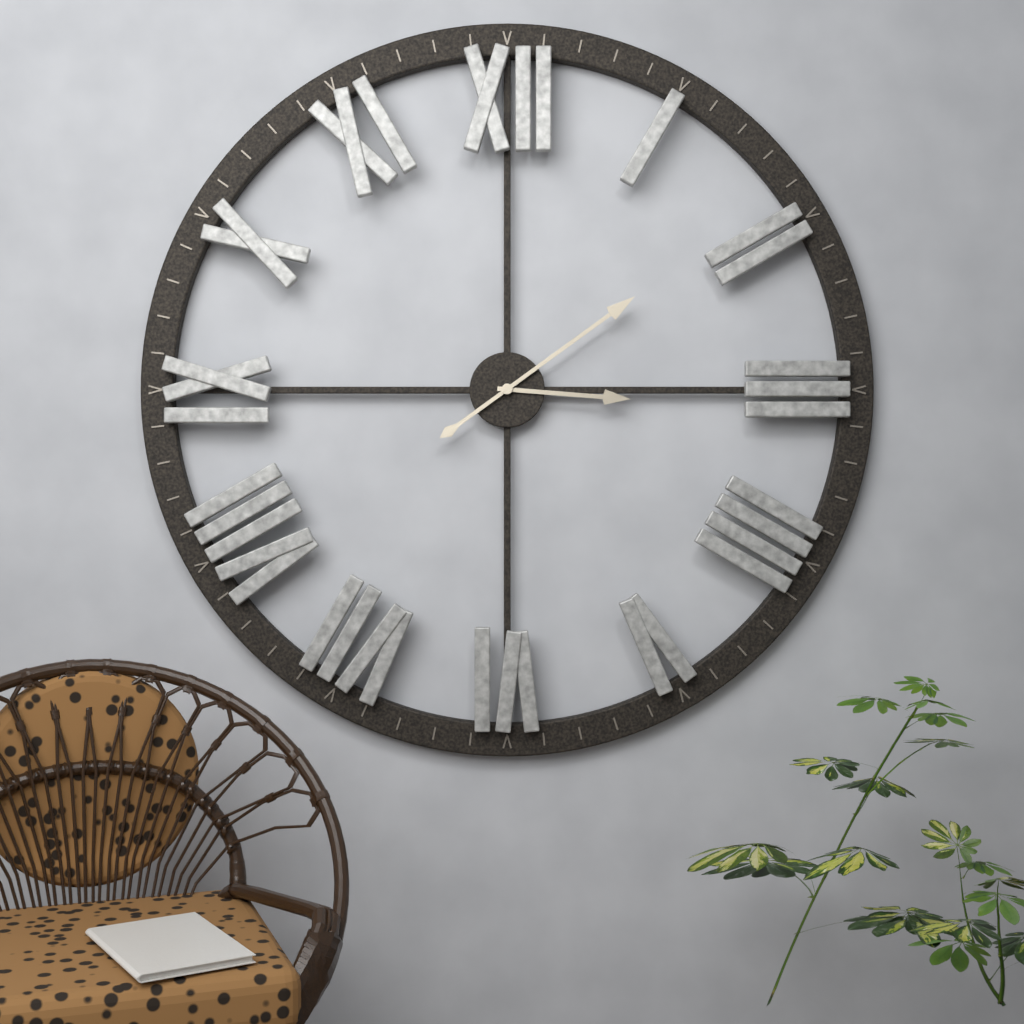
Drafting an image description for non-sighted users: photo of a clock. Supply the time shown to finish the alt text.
3:09
